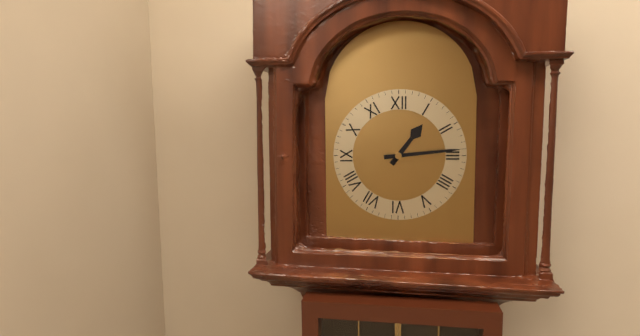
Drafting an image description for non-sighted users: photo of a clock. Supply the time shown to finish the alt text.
1:14
